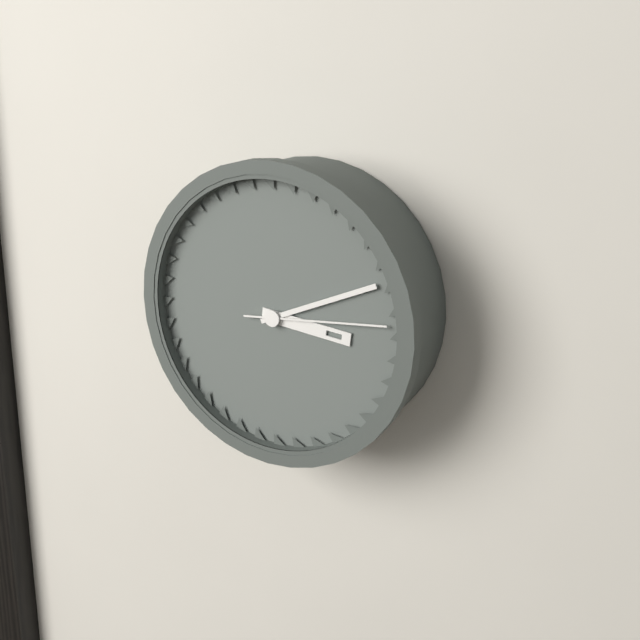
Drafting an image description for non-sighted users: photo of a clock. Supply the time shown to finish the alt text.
3:11:14
